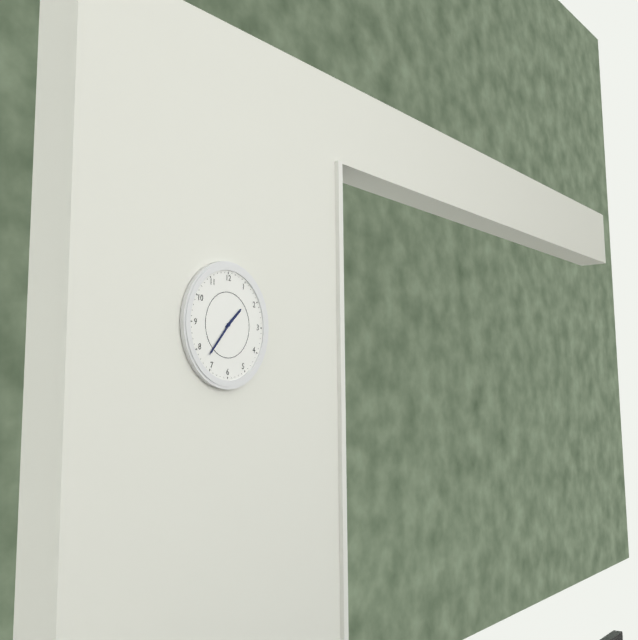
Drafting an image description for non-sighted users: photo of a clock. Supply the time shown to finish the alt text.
1:37
